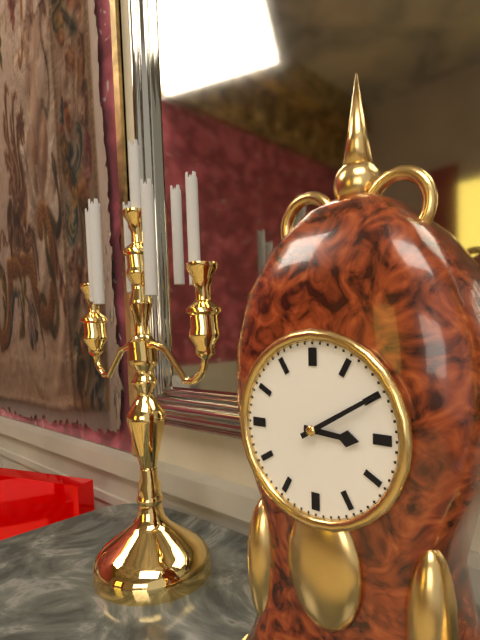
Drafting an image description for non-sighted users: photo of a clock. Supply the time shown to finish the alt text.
3:10
